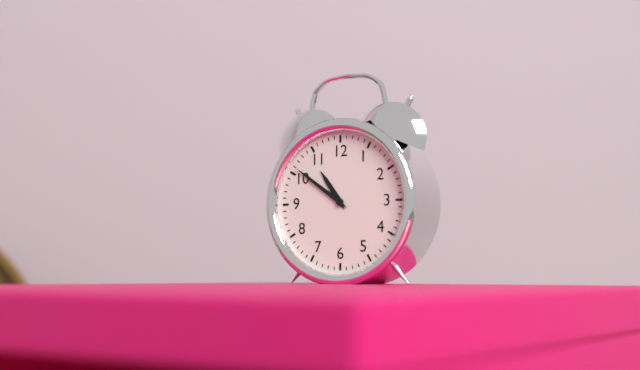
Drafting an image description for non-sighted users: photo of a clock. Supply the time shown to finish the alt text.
10:51
